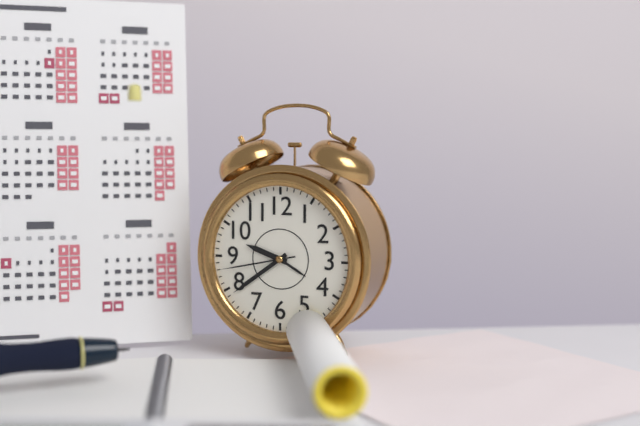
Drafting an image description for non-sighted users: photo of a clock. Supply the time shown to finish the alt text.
9:39:43
